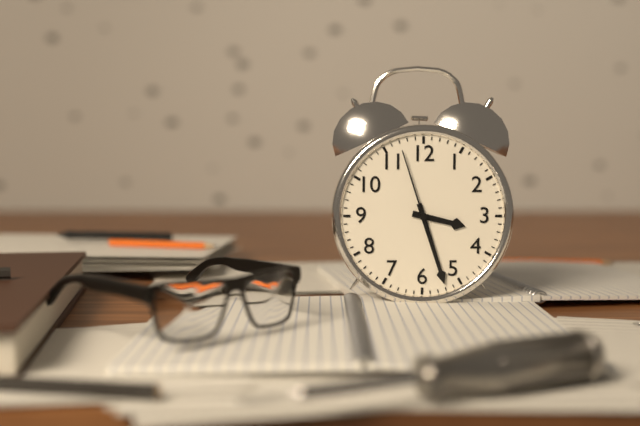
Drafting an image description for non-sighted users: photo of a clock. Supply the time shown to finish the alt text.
3:27:57
